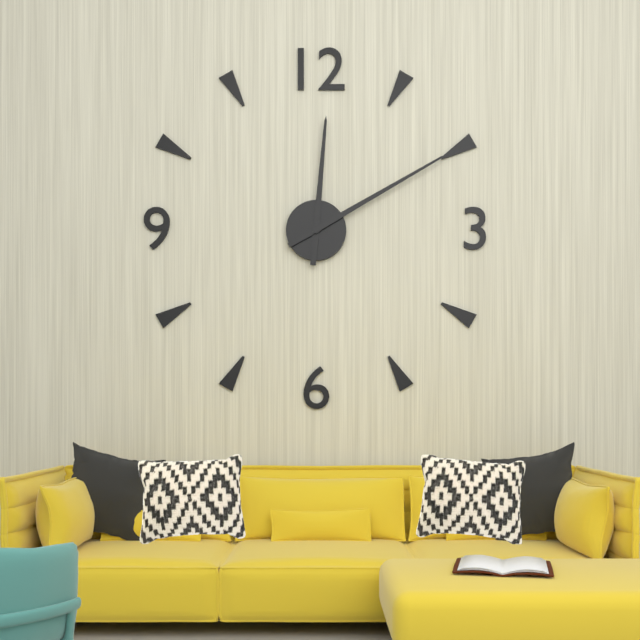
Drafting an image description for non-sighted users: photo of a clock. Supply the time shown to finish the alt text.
12:10
